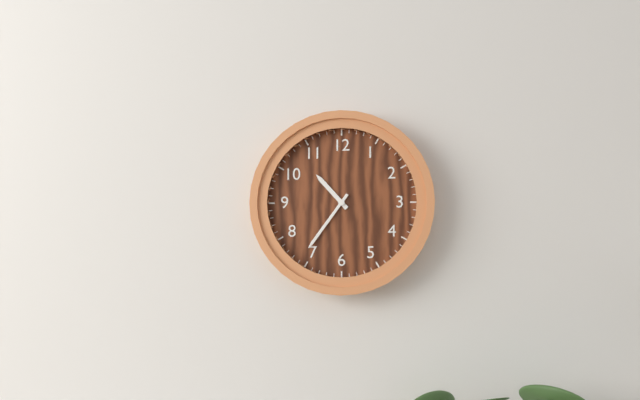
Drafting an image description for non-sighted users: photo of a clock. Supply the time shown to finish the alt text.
10:36
